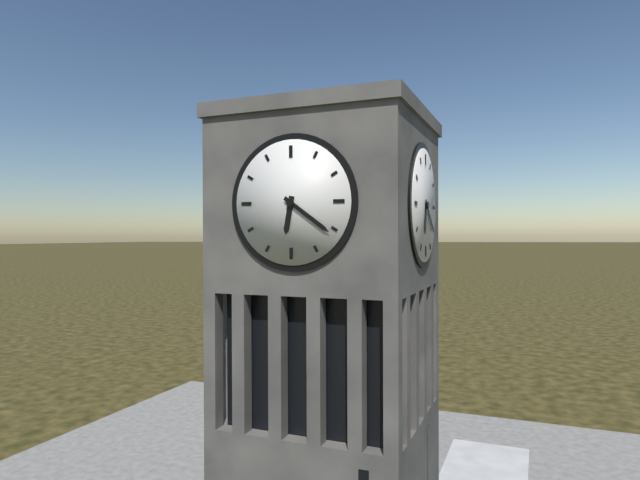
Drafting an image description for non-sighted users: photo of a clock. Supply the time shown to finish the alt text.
6:21
